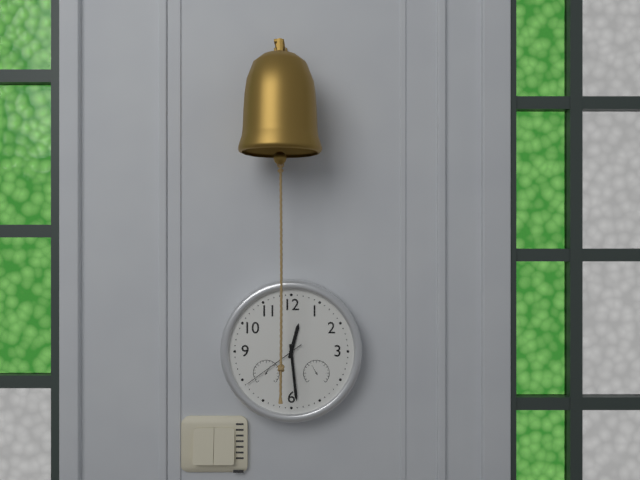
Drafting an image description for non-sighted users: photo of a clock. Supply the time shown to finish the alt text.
12:29:39
